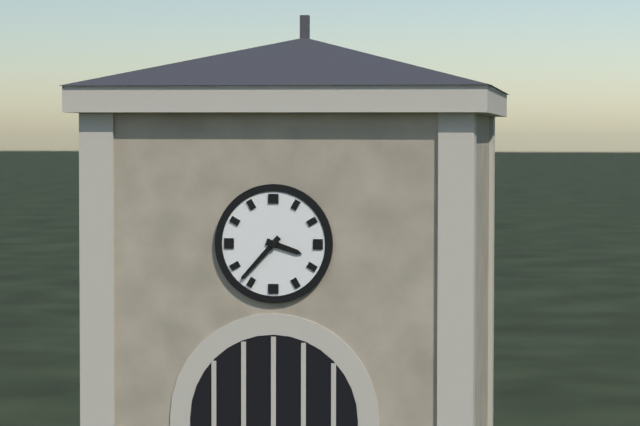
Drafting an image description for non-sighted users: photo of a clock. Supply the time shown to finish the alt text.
3:37
